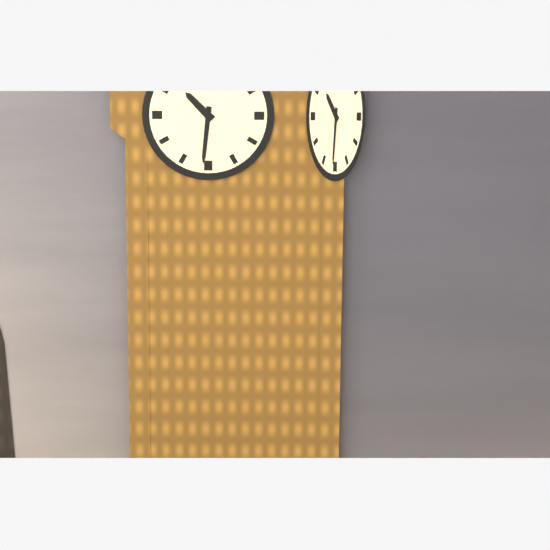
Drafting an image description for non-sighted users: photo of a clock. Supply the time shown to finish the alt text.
10:31
